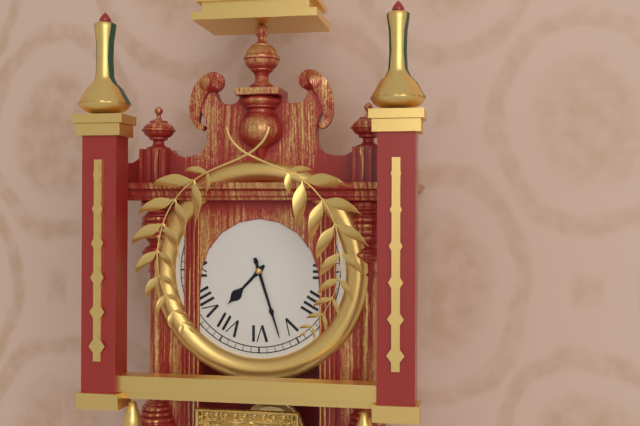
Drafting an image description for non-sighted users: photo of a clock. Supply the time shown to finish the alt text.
7:27
